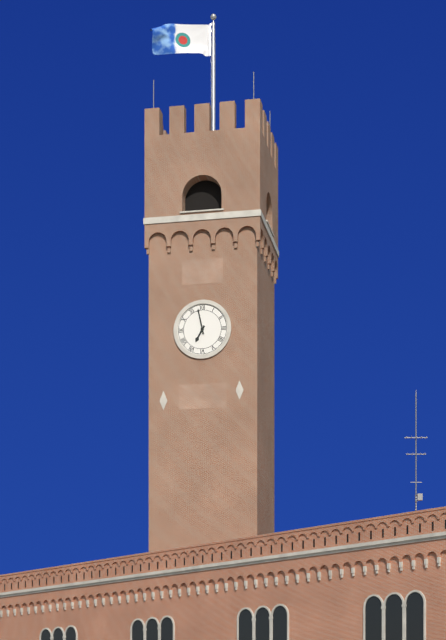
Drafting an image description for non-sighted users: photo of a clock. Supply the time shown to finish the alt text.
6:58
